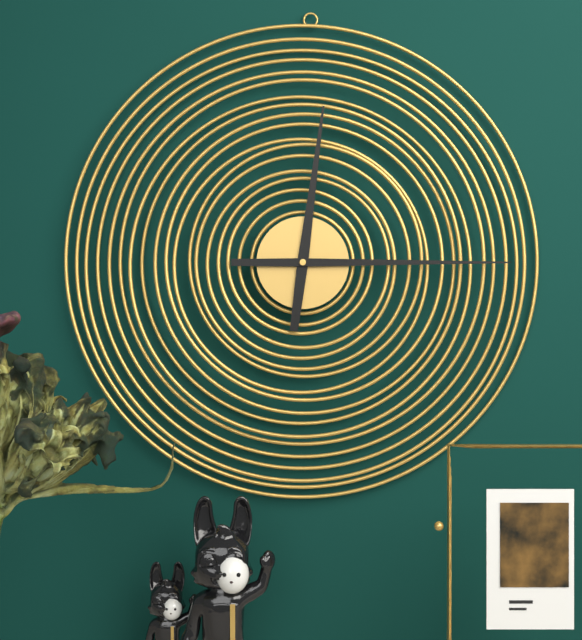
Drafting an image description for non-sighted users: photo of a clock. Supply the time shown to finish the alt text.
12:15
